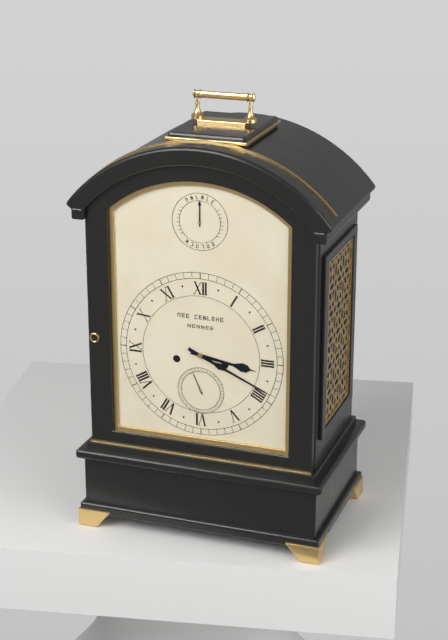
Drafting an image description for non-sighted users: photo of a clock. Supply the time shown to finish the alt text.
3:19
